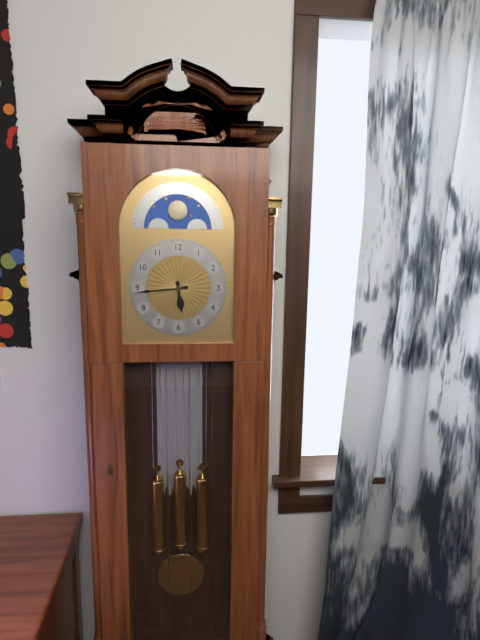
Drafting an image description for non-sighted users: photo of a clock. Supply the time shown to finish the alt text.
5:44
